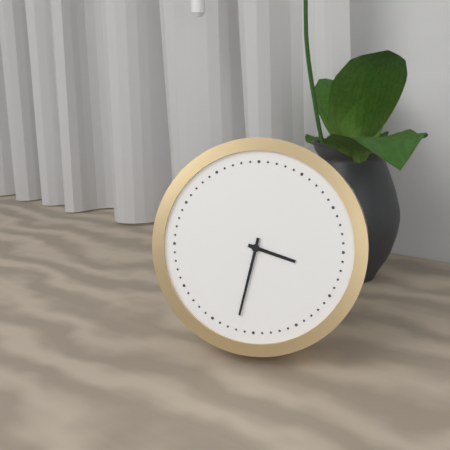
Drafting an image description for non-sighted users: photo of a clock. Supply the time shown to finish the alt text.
3:32
